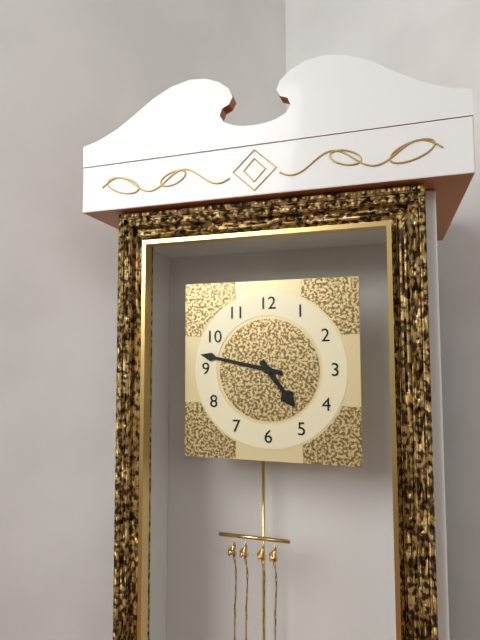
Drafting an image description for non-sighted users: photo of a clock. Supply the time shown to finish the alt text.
4:47
